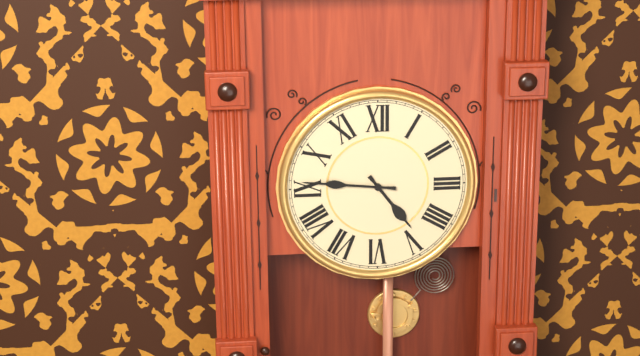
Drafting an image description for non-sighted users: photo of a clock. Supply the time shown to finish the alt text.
4:46
